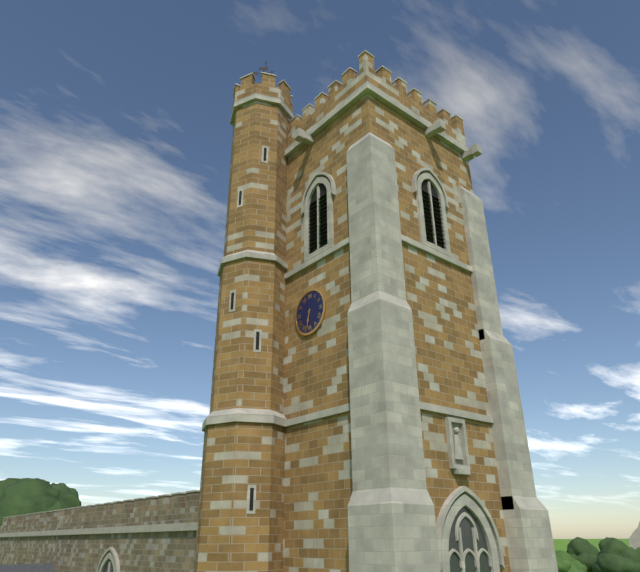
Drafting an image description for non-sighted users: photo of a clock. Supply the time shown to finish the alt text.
6:32
